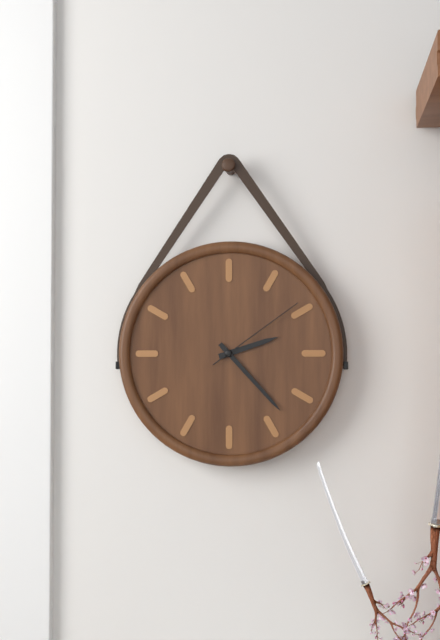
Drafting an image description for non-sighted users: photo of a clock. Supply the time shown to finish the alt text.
2:23:09
